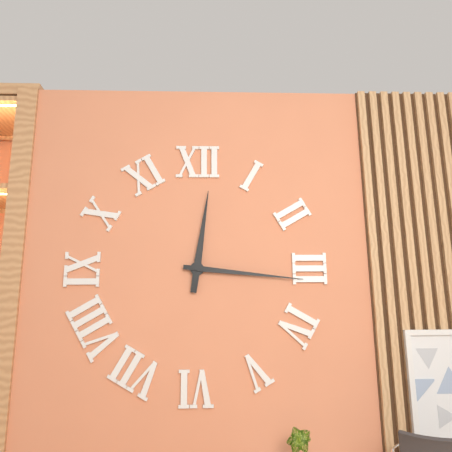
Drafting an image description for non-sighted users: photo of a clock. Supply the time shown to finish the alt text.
12:16
